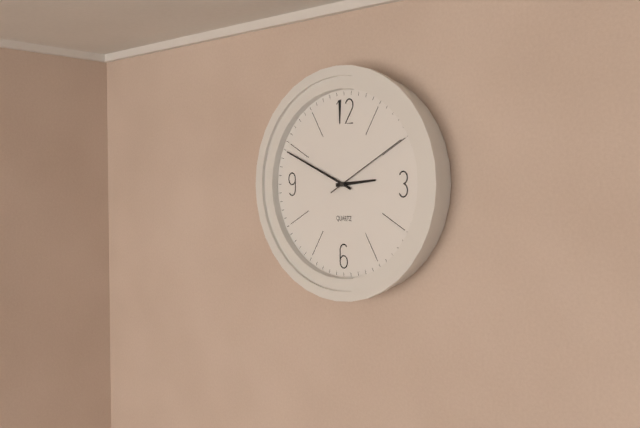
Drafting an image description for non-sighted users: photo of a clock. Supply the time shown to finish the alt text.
2:49:10
